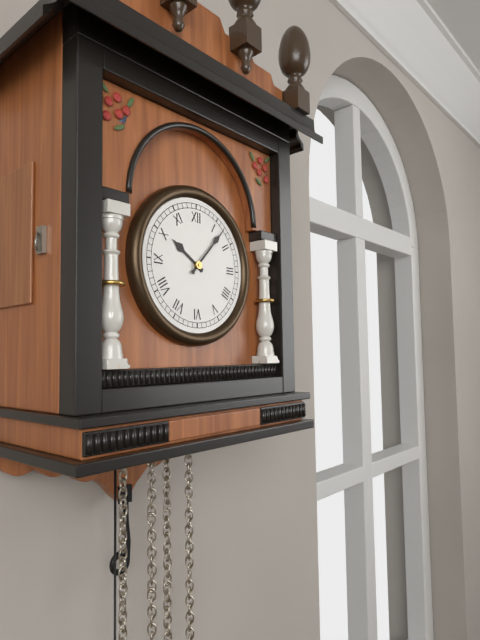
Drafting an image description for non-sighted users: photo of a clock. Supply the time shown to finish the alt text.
10:07
